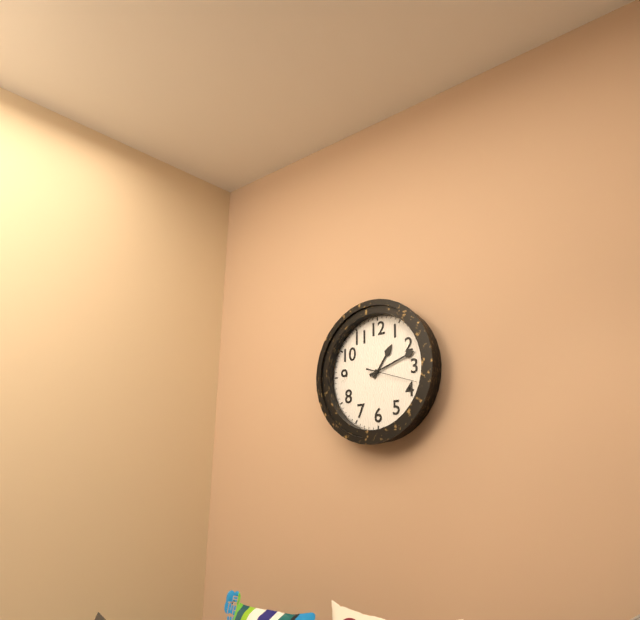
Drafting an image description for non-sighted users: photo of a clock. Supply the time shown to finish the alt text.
1:12:18
